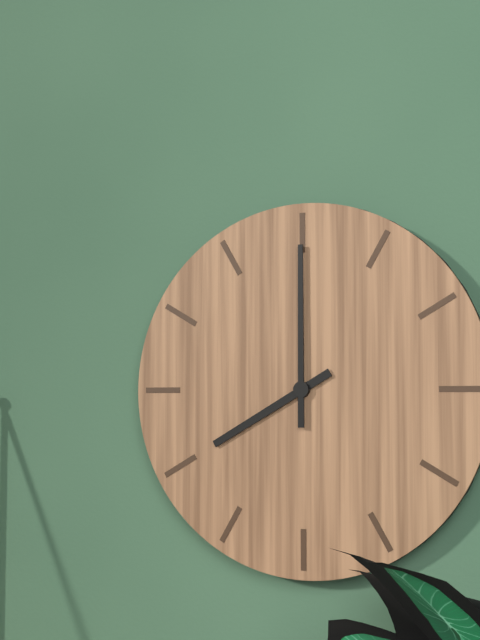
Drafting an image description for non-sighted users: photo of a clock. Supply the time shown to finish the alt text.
8:00
